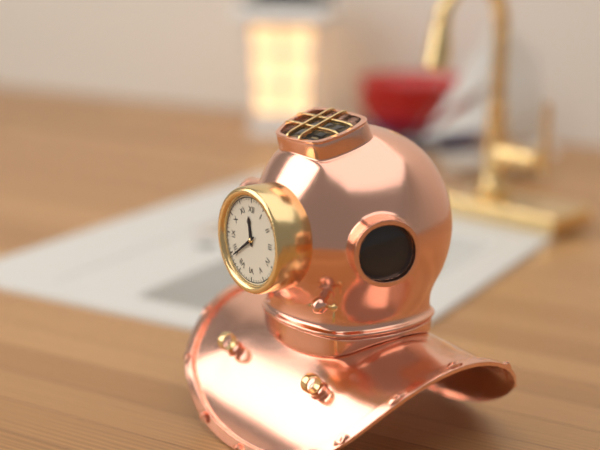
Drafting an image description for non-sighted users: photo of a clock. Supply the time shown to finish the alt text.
11:39
